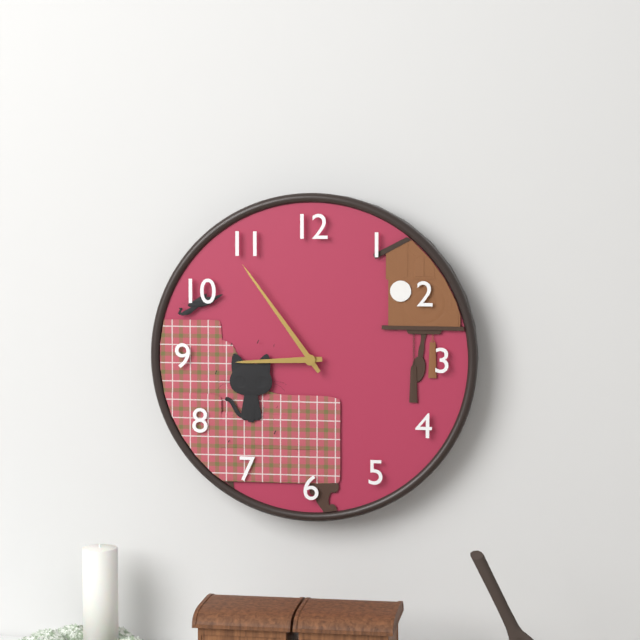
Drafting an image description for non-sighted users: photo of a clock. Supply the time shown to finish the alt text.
8:54
